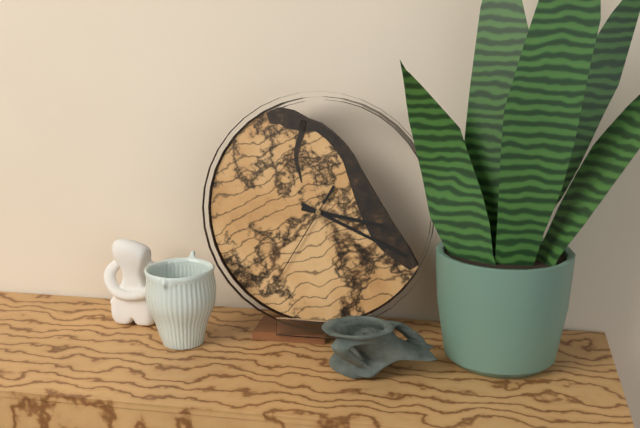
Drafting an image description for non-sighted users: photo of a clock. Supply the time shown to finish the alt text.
3:19:35
